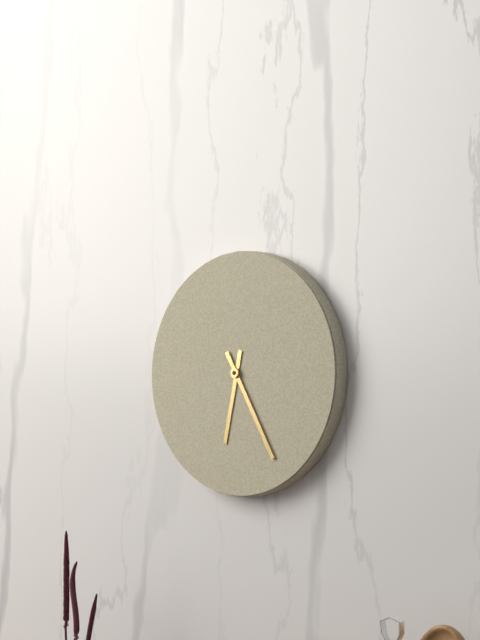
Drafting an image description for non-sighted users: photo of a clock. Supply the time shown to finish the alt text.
6:25
